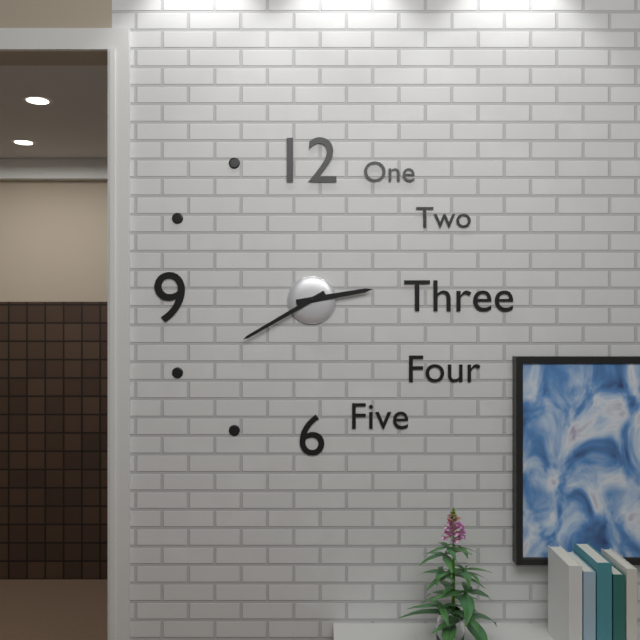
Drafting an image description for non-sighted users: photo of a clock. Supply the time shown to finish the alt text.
2:40
